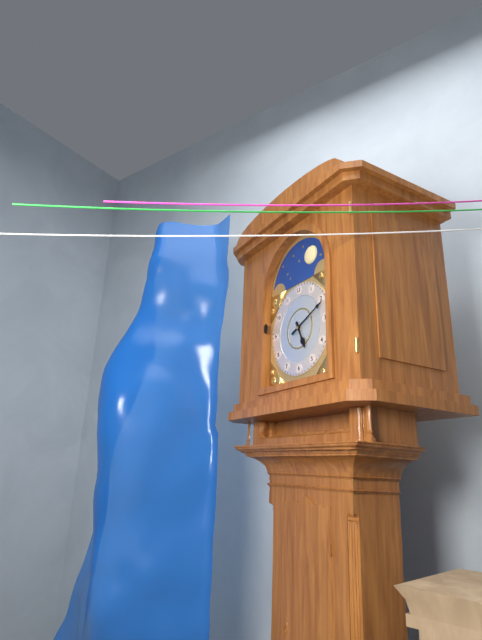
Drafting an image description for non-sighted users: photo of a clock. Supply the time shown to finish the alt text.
5:11
